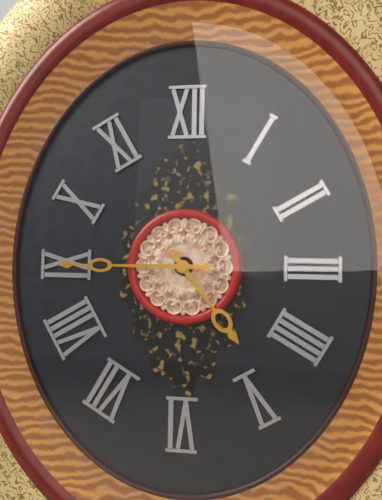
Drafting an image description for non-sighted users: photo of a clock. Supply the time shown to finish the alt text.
4:45
